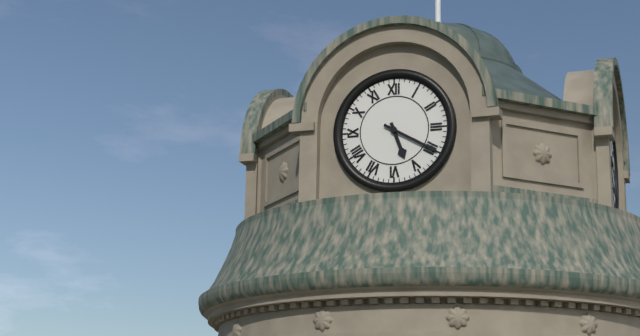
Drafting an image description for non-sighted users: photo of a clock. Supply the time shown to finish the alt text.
5:20
